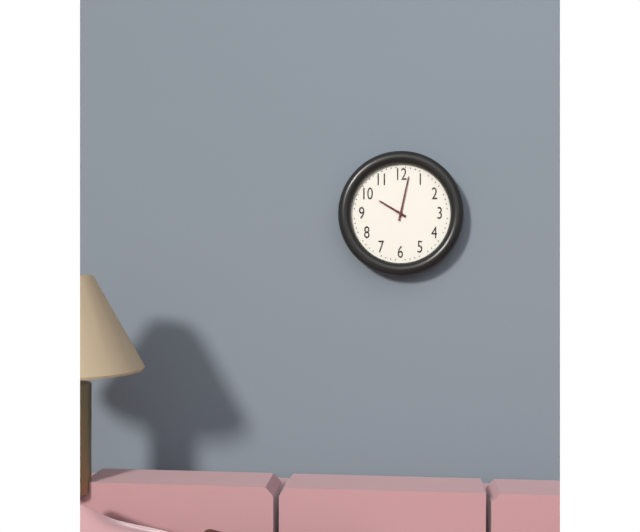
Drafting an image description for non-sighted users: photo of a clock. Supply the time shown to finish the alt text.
10:02
